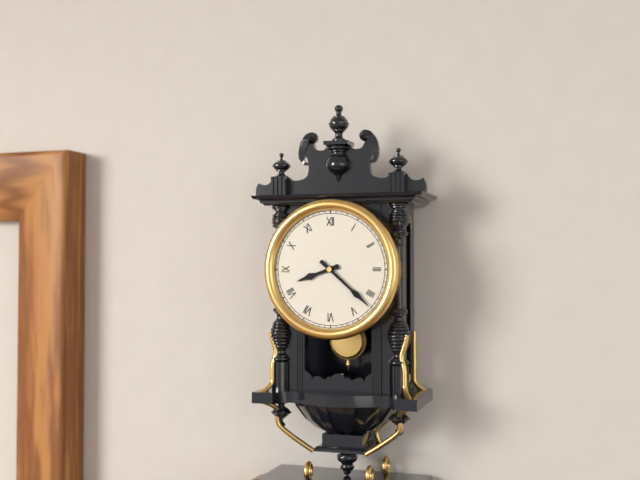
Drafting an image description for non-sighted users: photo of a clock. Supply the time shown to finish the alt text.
8:22
